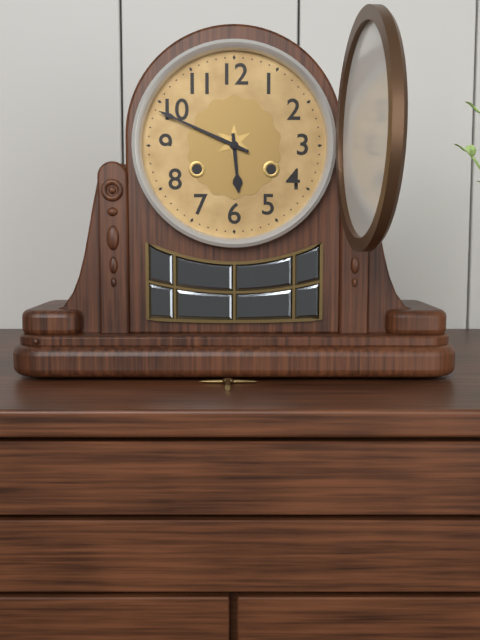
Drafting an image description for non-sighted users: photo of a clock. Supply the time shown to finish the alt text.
5:49
